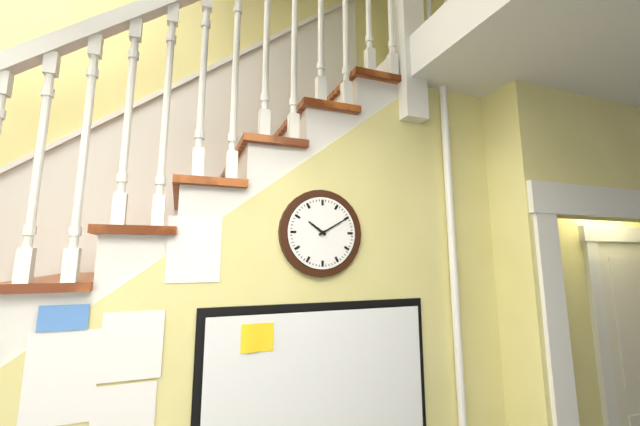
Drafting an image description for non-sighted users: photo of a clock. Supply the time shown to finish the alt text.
10:10
